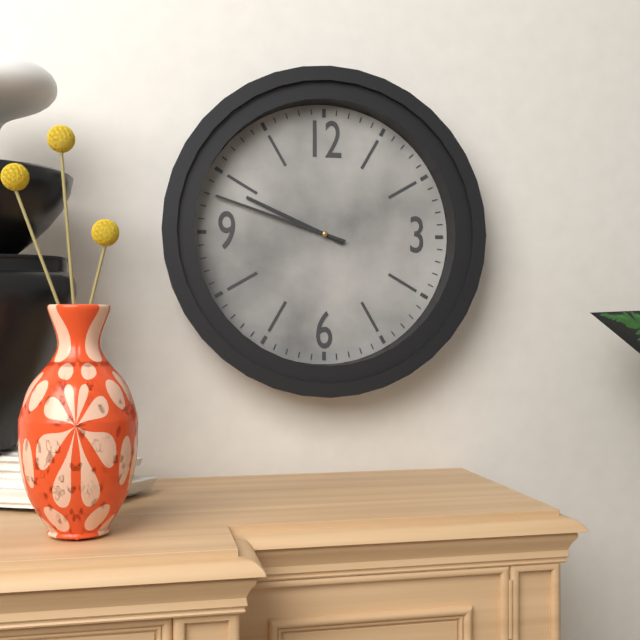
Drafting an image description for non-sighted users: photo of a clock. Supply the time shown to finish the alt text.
9:48
